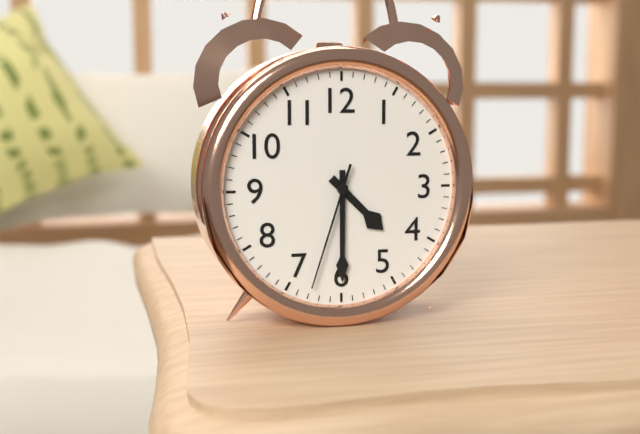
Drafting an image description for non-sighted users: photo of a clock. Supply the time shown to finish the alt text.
4:30:33
